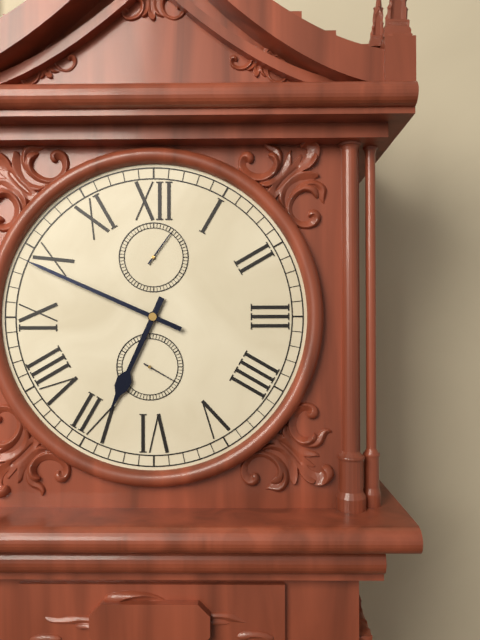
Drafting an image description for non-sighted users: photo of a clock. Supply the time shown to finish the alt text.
6:49
